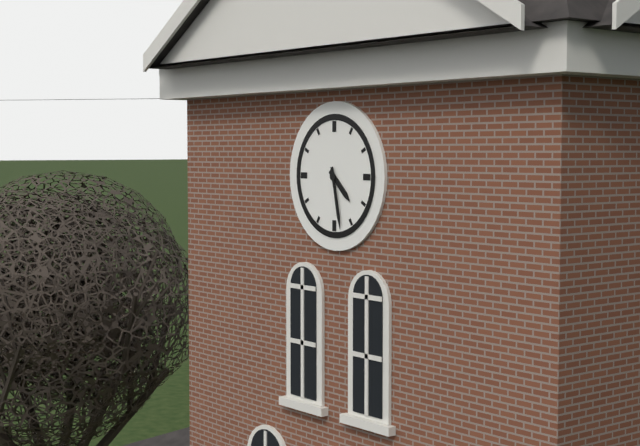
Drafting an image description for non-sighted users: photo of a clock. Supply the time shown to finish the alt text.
4:28
